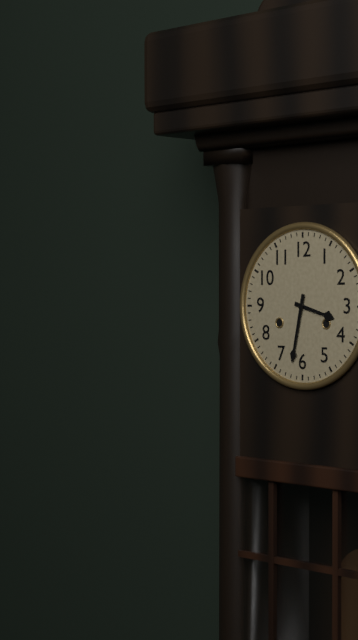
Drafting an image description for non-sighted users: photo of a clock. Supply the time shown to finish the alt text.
3:32
